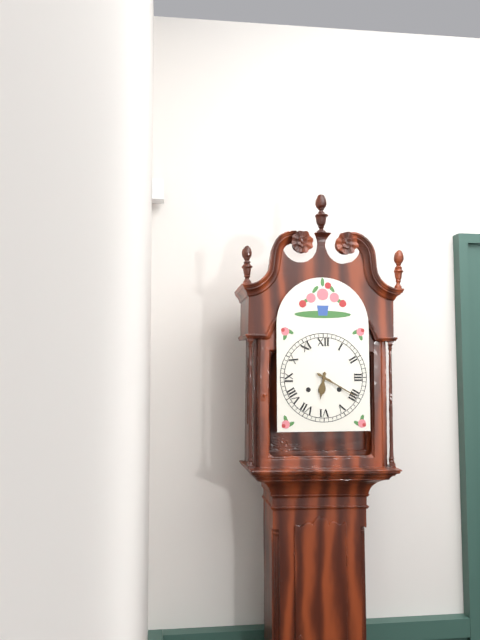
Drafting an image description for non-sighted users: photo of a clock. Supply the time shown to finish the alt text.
6:20
